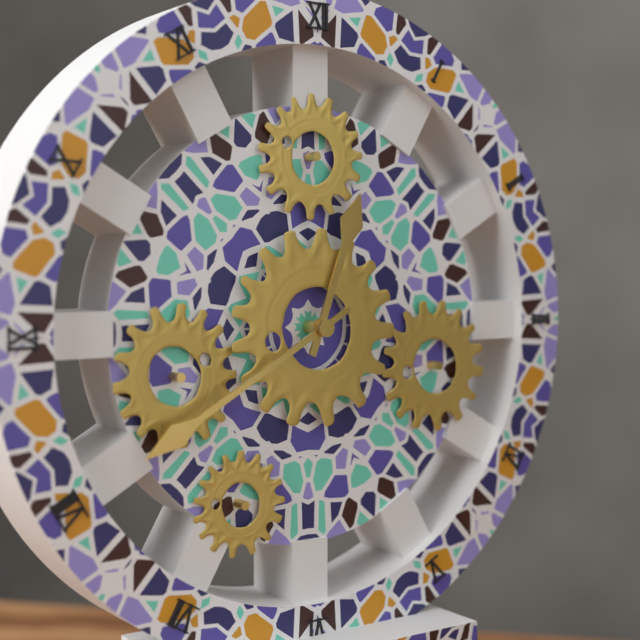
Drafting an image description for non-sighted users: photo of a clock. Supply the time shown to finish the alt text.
12:40
